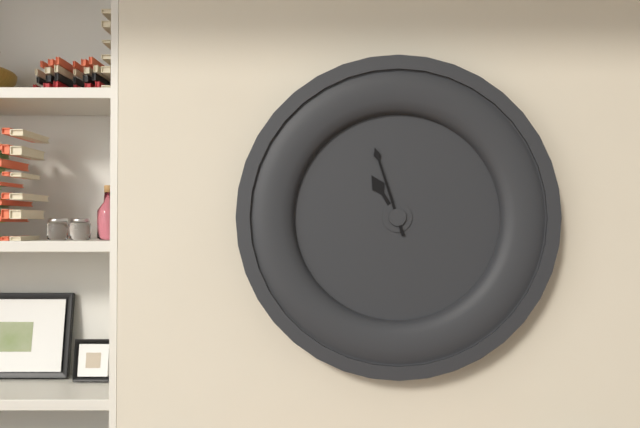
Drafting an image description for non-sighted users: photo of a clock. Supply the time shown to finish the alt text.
10:57
